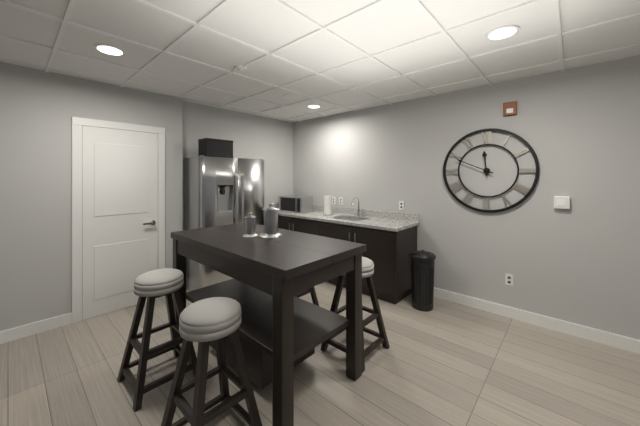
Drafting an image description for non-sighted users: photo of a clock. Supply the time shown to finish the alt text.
11:49
